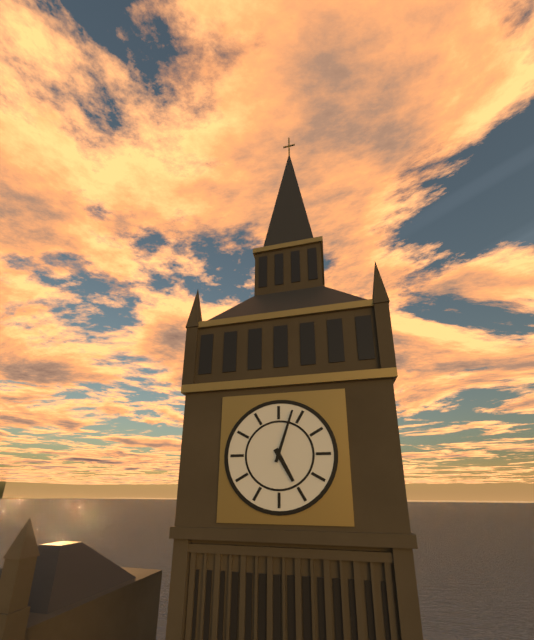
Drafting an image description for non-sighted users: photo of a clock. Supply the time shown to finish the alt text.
5:03
